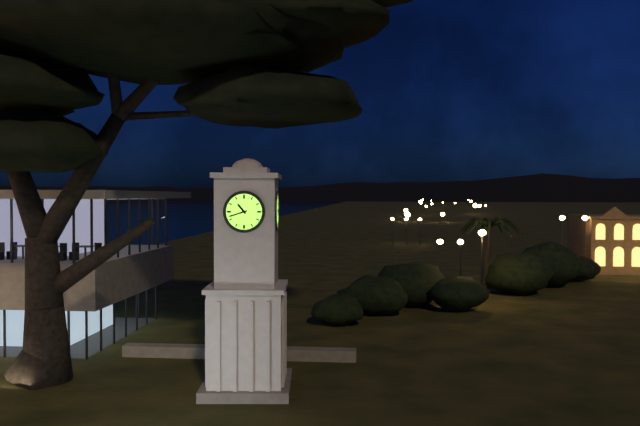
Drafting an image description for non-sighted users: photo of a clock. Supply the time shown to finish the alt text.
10:42
